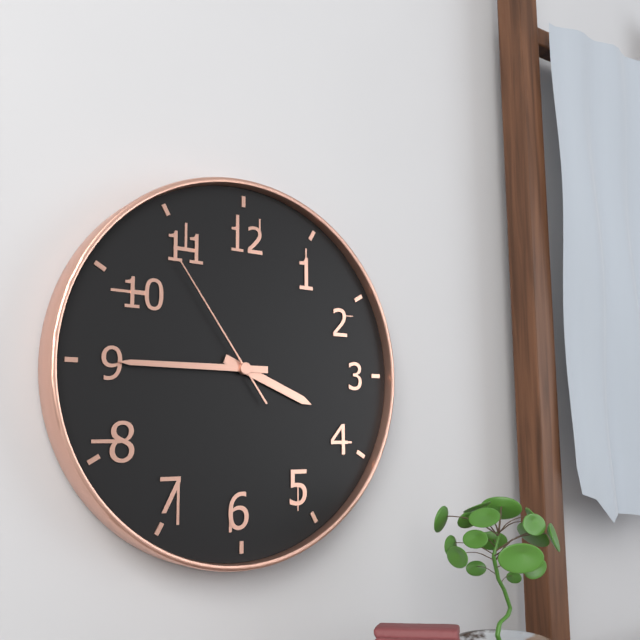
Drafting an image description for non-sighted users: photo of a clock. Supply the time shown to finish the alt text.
3:45:54
